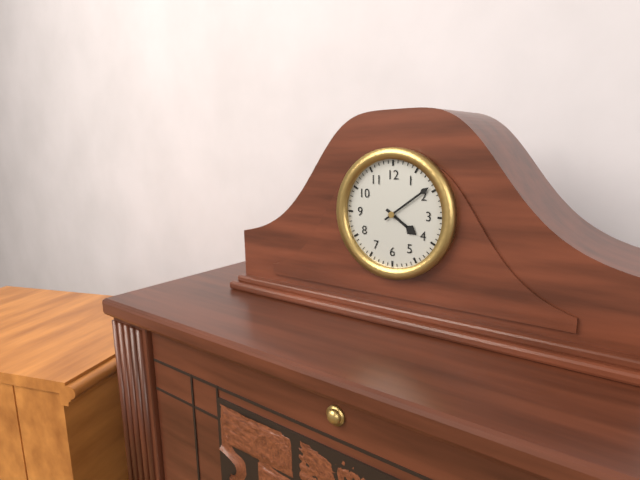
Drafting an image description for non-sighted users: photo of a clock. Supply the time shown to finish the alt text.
4:09
